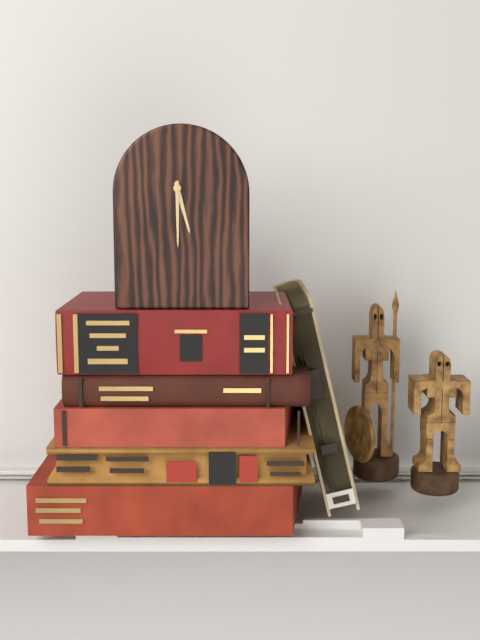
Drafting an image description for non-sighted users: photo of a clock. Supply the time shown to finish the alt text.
5:30
